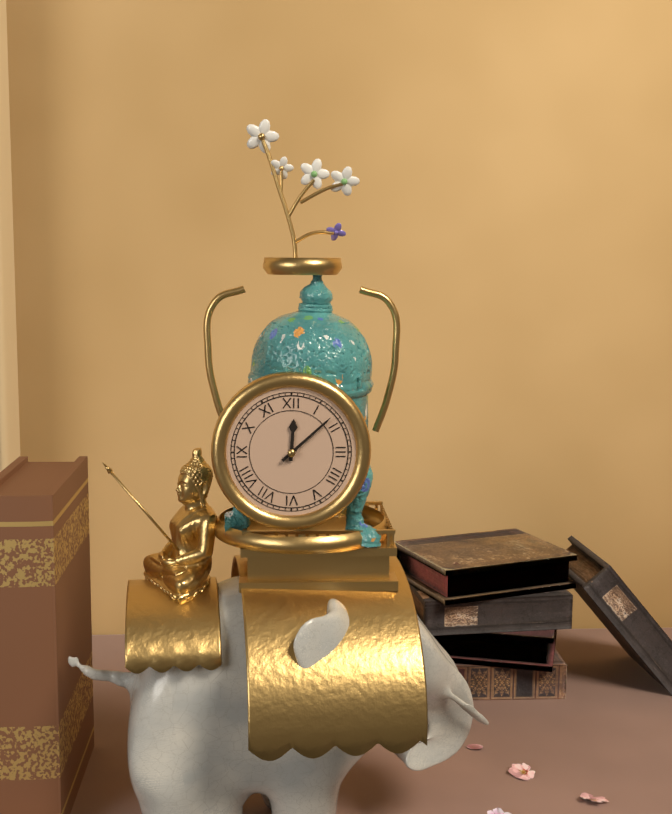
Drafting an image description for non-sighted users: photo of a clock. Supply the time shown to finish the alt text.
12:08
